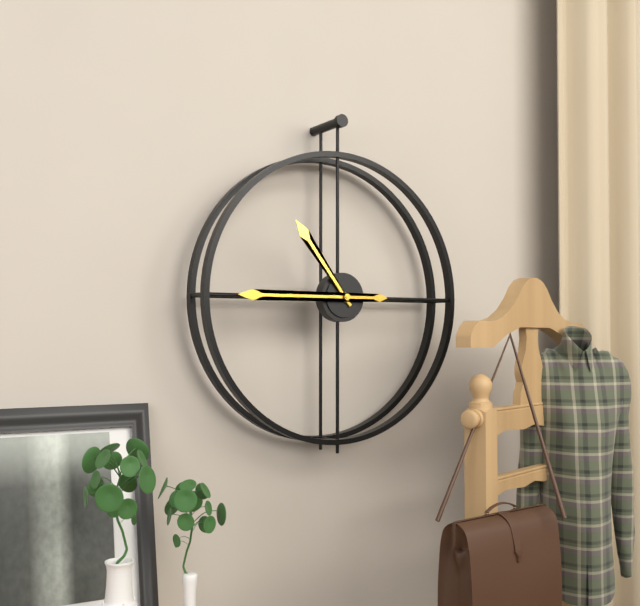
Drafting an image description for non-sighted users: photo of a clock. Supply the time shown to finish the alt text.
10:45
